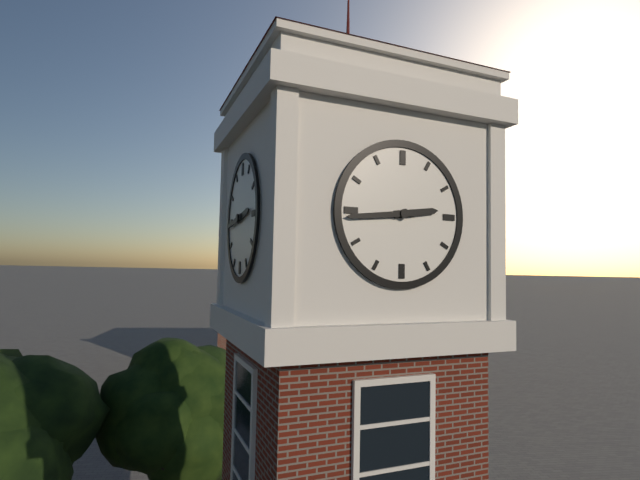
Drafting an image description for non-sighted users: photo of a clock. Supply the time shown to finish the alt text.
2:44
